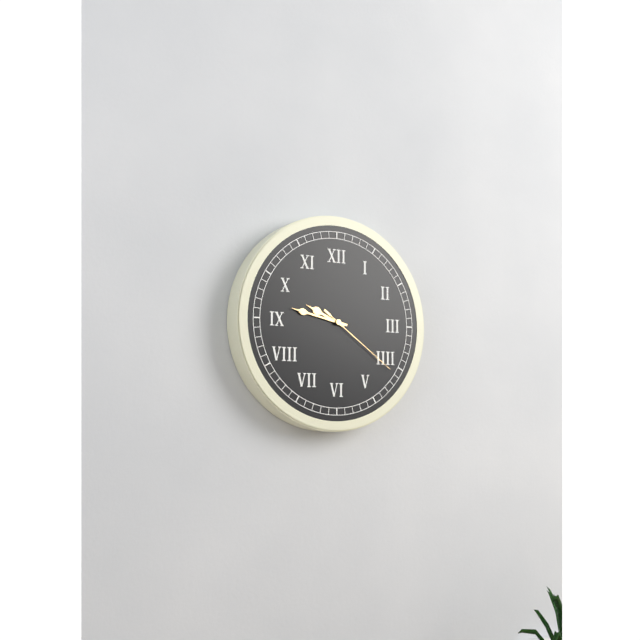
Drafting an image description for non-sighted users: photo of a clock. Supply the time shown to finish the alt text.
9:47:21
